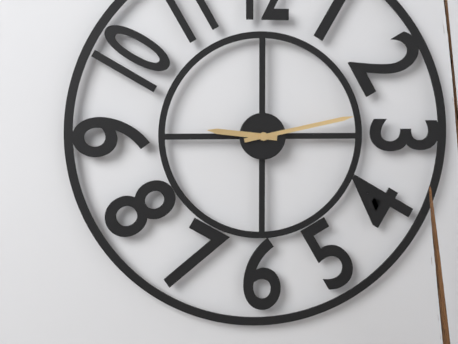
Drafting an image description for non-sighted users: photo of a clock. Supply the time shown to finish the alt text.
9:13
